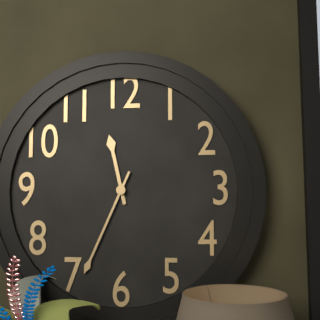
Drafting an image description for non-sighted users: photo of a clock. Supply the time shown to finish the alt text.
11:34
